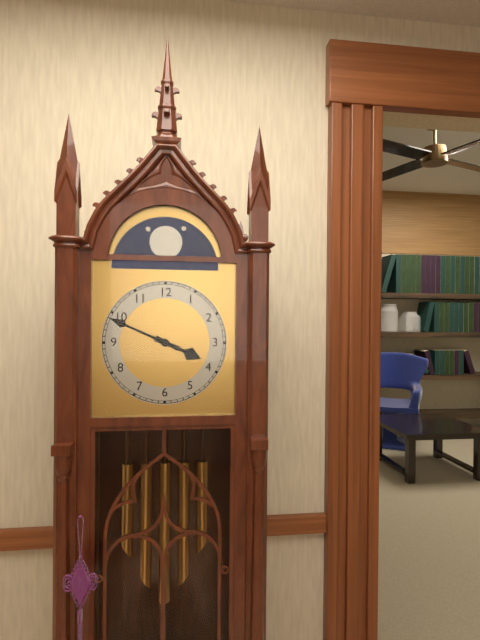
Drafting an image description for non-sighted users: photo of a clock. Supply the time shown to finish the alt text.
3:49
